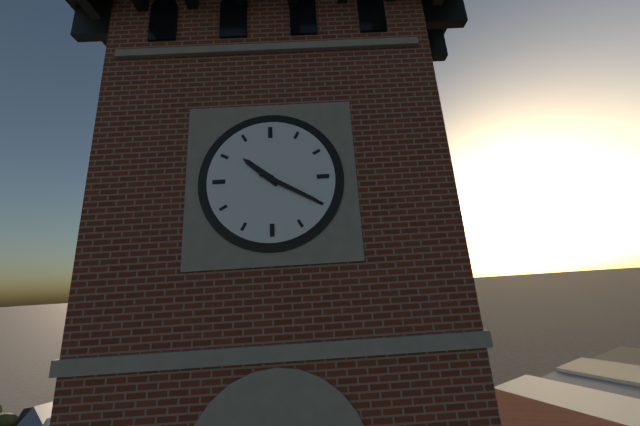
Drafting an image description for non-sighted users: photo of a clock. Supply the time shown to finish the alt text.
10:20
